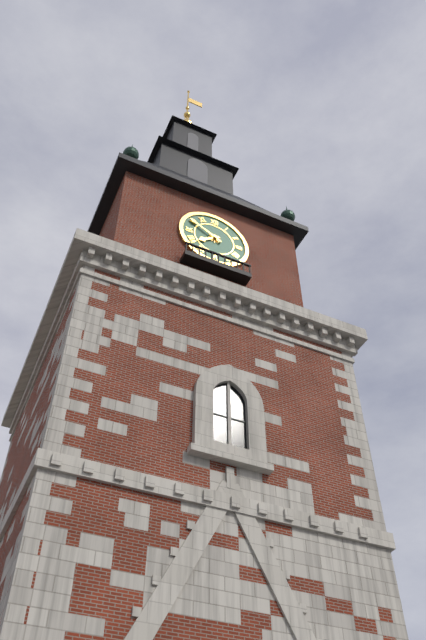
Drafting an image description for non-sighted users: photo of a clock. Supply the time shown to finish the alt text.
7:50
